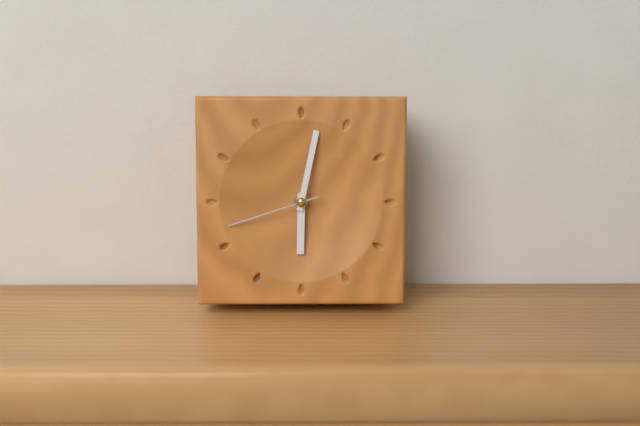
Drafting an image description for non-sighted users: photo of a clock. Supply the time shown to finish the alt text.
6:02:42
